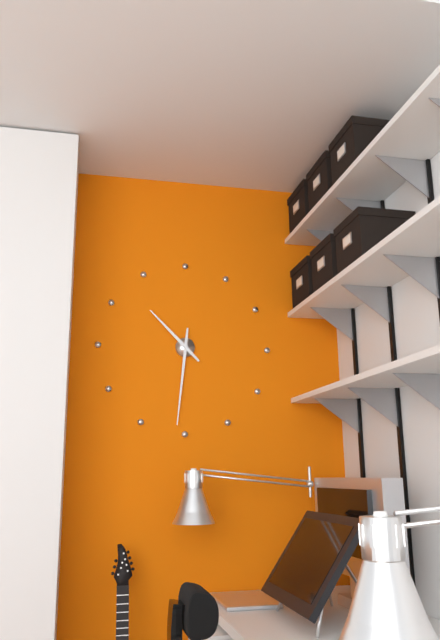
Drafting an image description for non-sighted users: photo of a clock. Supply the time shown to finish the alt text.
10:31
